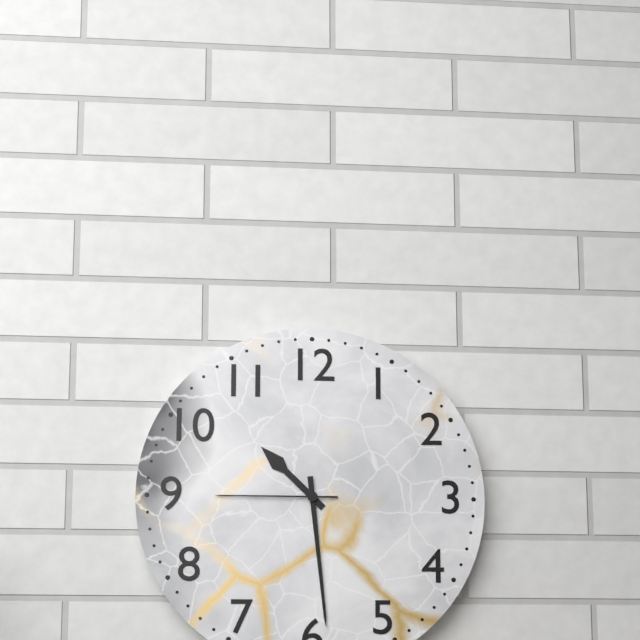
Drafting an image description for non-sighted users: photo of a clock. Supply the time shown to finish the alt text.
10:29:45
